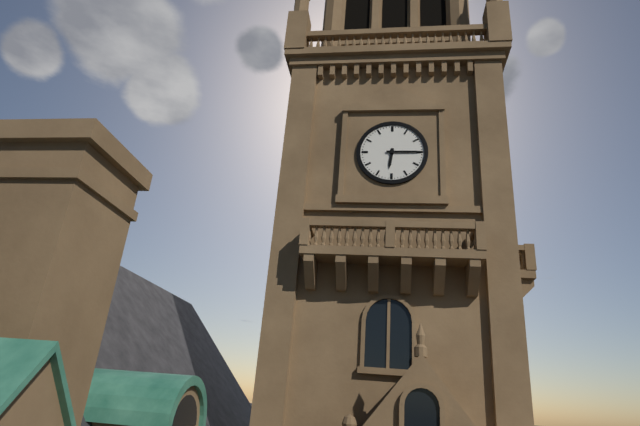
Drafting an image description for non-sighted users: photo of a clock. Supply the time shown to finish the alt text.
6:15
